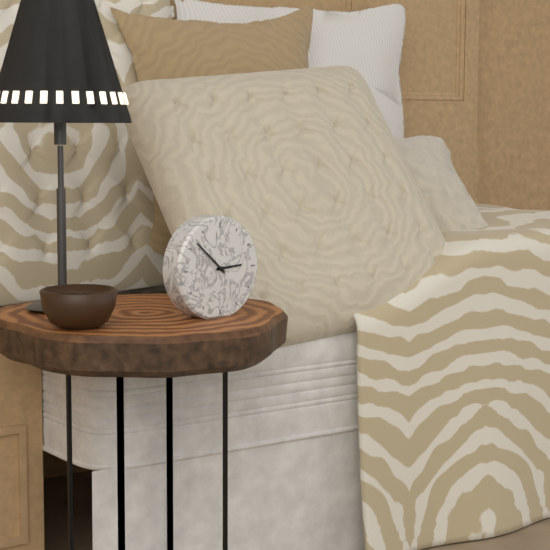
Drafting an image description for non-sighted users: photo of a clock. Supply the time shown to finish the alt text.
2:52
